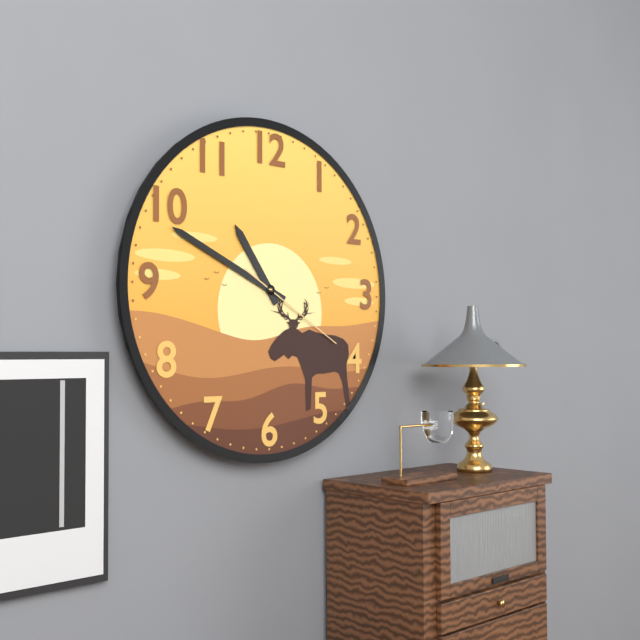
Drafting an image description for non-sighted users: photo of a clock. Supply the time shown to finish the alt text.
10:49:20
